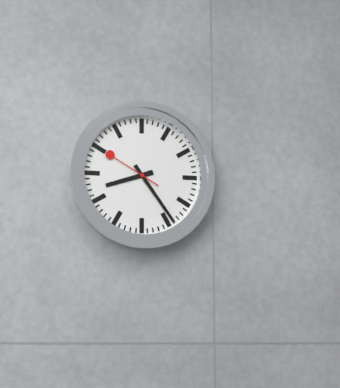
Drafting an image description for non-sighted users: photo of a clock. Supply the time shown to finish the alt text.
8:24:50
